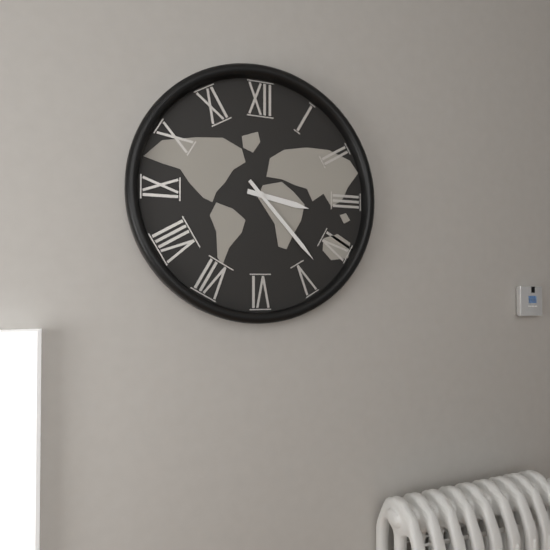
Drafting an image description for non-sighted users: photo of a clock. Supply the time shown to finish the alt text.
3:23
